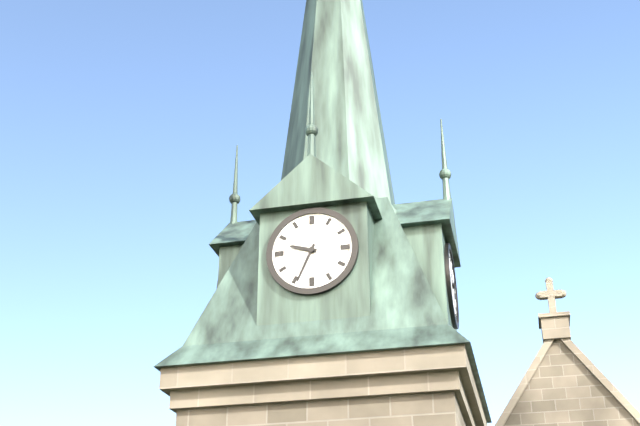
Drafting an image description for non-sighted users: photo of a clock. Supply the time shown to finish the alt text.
9:34
